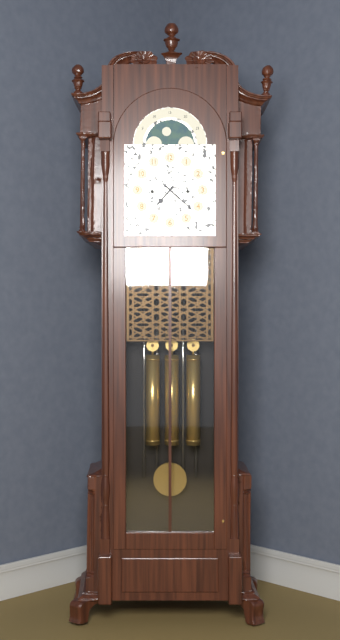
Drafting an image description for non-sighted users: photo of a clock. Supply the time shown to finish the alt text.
7:22
